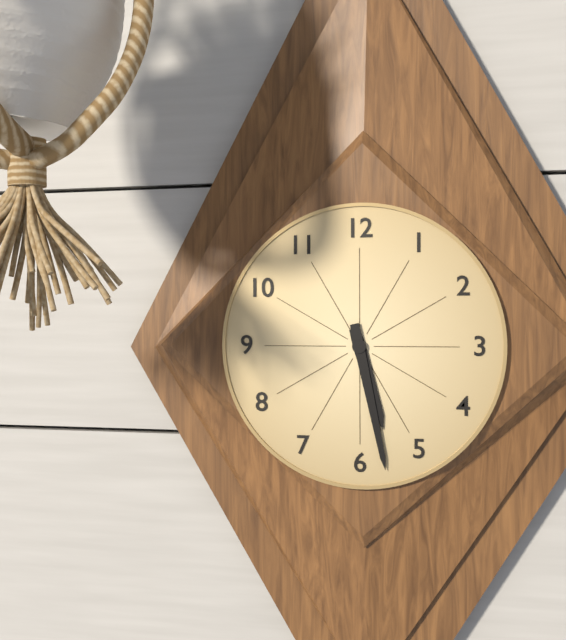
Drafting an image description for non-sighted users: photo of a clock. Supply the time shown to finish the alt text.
5:28
